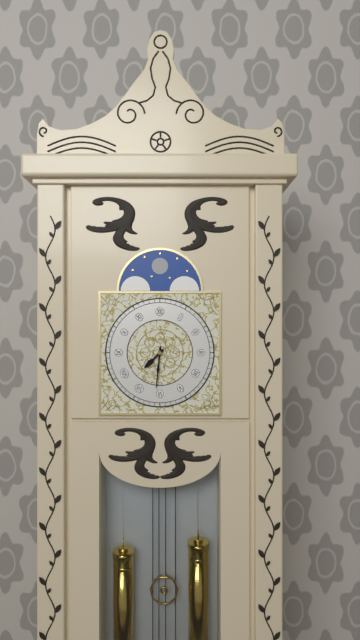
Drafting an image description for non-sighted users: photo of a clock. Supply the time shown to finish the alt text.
7:31
